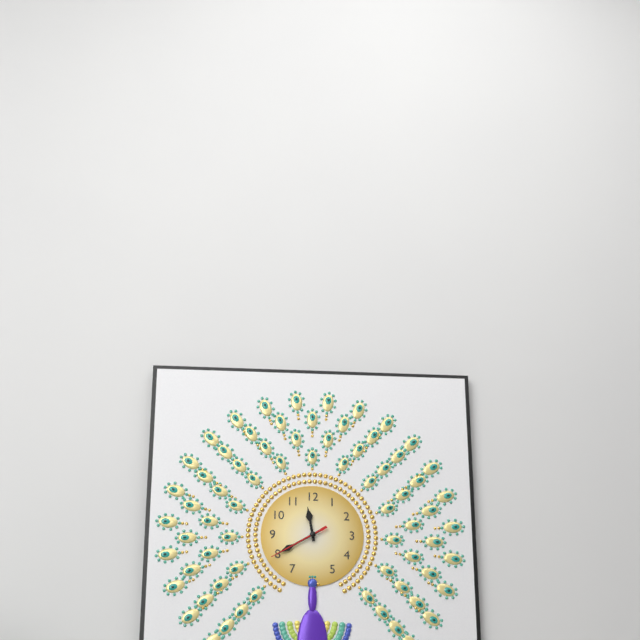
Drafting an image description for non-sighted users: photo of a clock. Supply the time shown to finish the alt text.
11:40:40
